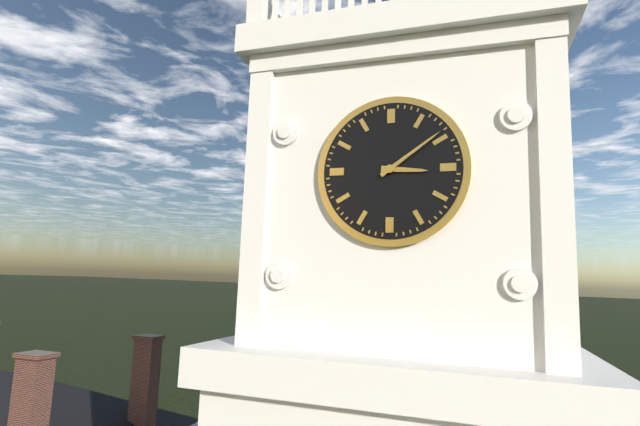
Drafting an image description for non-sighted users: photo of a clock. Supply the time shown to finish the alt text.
3:09
